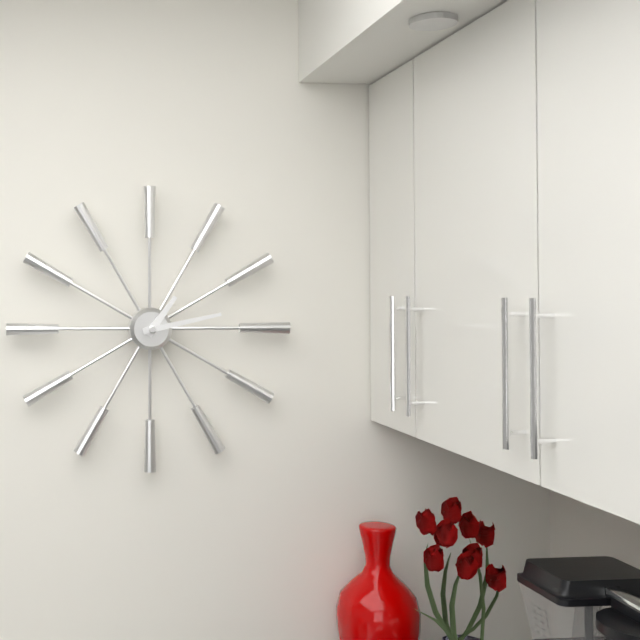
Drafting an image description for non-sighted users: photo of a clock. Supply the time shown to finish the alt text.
1:13
